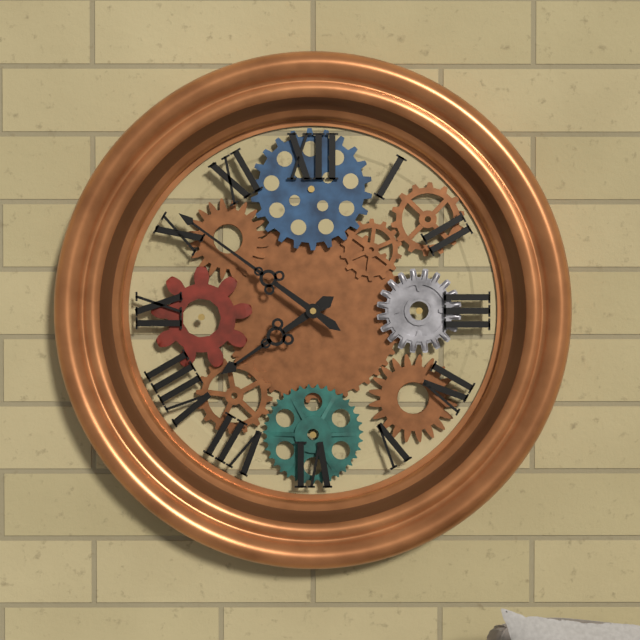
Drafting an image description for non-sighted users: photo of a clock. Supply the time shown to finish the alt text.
7:51
